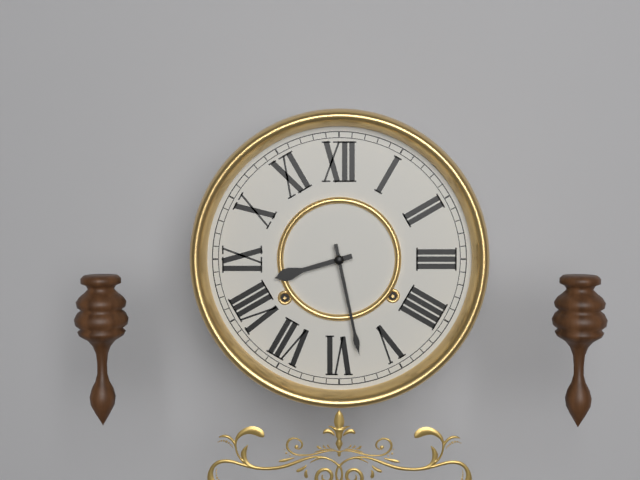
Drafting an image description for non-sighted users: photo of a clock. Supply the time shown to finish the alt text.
8:28
